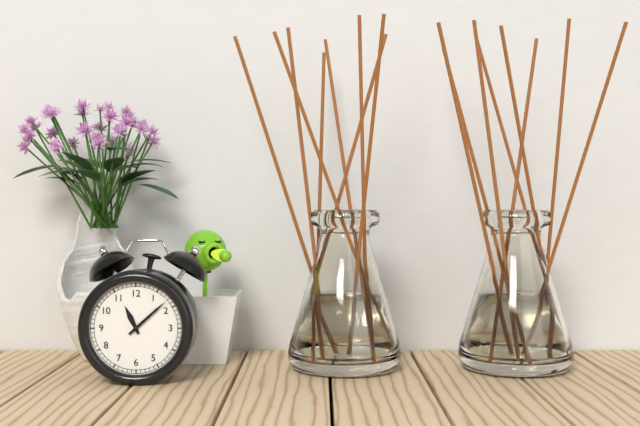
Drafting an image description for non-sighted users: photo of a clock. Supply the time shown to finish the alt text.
11:08
